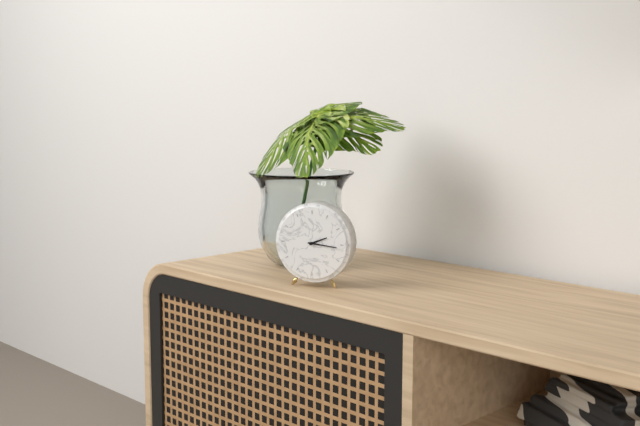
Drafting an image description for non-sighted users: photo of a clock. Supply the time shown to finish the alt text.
2:16
